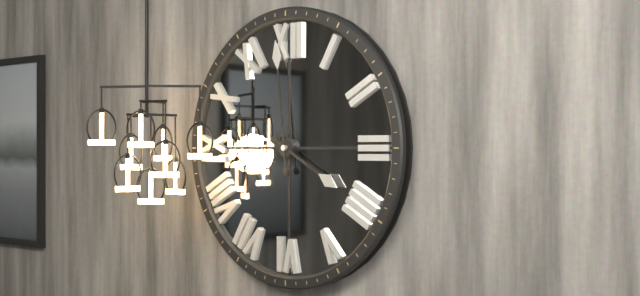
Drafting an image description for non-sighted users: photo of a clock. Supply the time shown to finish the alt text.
3:59
